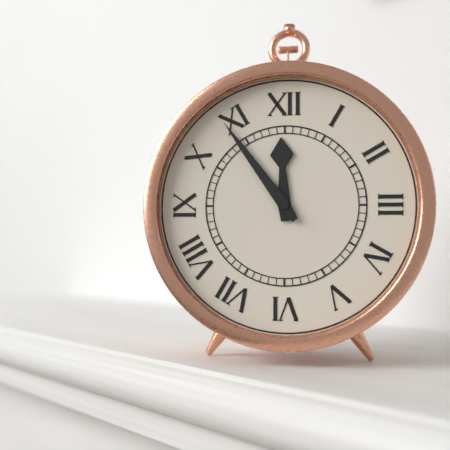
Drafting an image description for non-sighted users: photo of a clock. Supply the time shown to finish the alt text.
11:54
